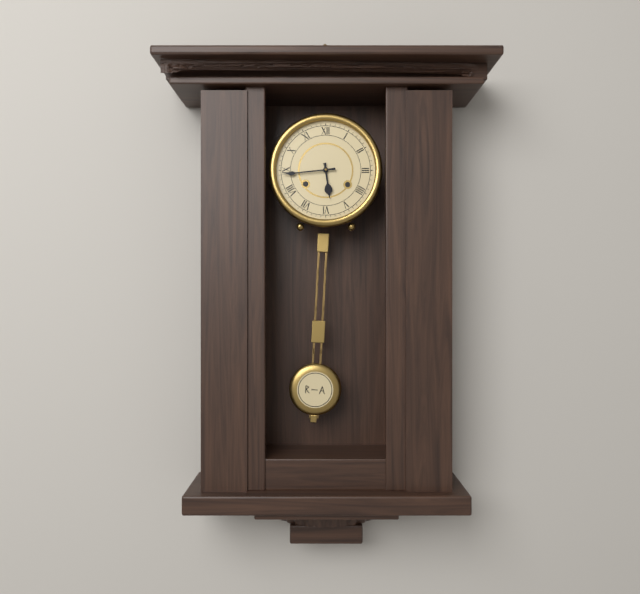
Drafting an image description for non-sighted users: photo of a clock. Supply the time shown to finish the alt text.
5:44
